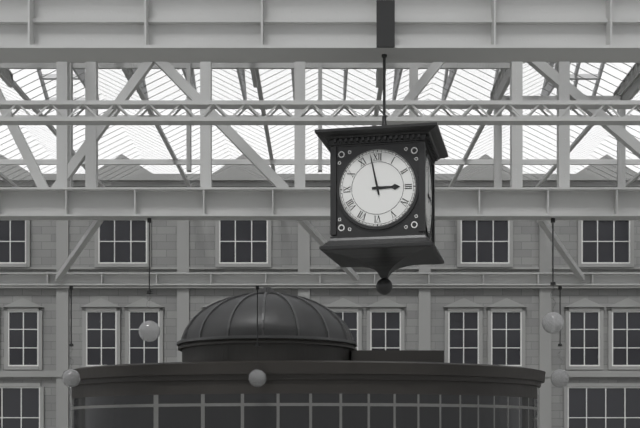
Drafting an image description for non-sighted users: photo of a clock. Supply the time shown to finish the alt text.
2:58
